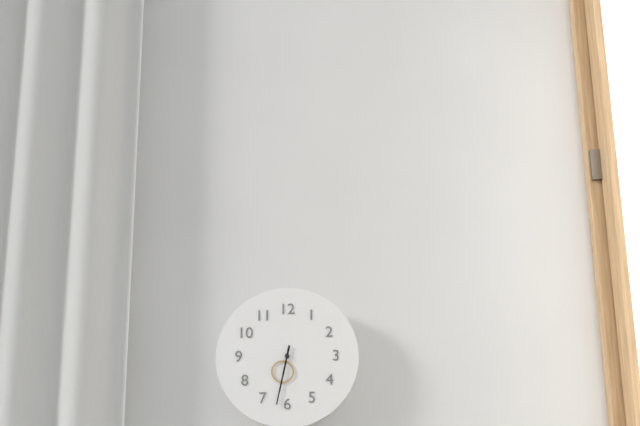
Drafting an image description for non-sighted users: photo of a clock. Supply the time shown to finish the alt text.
6:32
